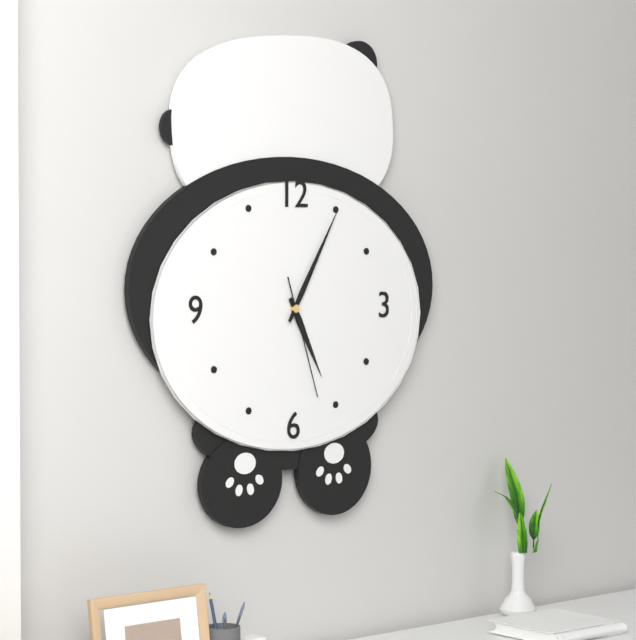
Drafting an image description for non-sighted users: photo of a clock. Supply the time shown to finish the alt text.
5:05:27
